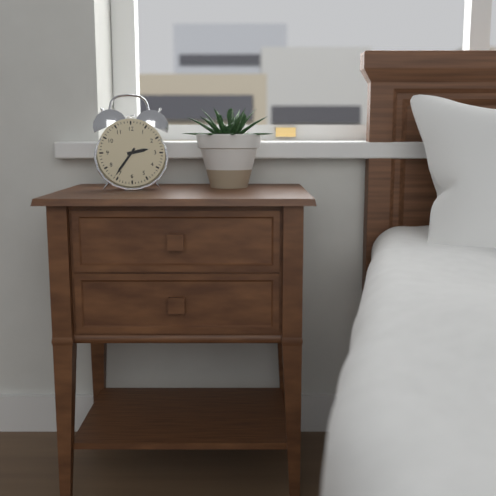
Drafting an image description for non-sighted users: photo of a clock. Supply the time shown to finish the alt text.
2:36
